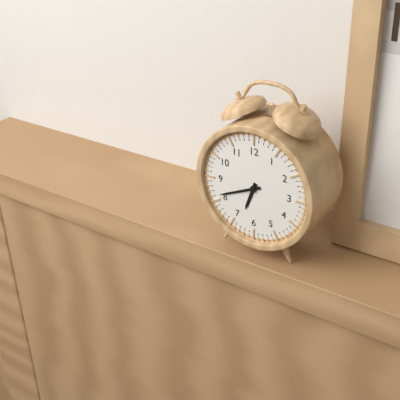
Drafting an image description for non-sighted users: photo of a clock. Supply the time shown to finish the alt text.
6:41
